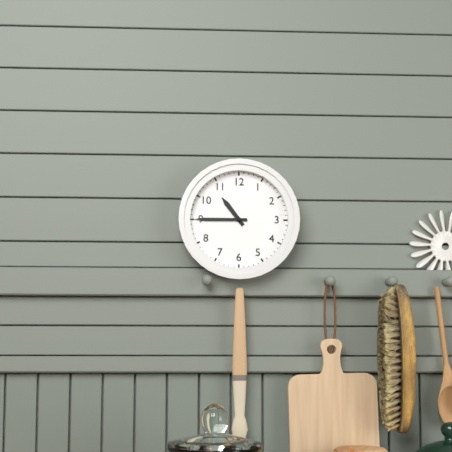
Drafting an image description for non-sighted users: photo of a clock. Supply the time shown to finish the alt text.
10:45
